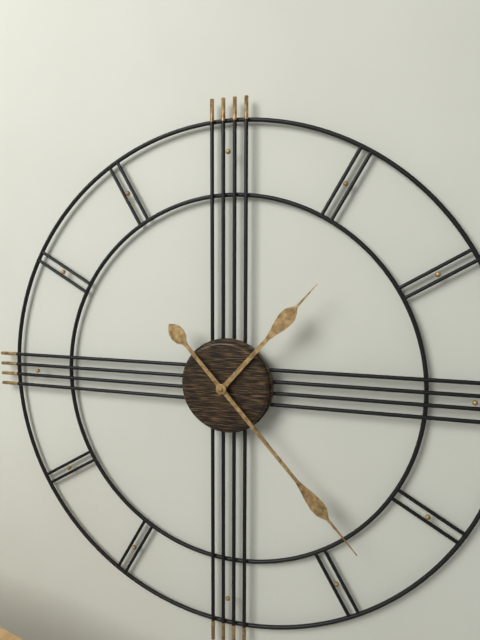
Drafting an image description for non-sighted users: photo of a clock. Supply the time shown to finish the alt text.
1:23
